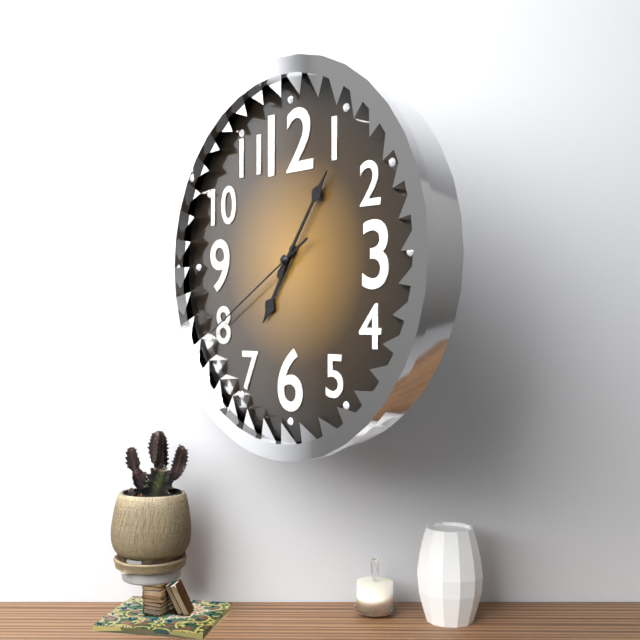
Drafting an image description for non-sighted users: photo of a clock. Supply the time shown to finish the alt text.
7:06:40
